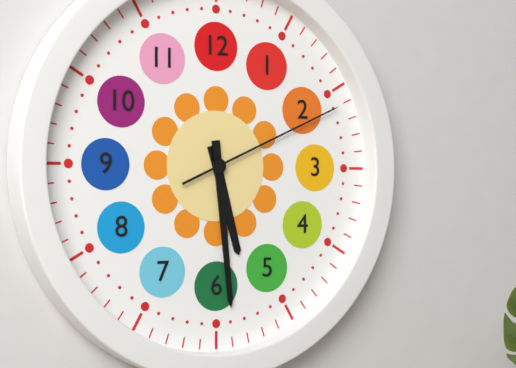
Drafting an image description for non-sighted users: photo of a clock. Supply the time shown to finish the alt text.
5:29:11
